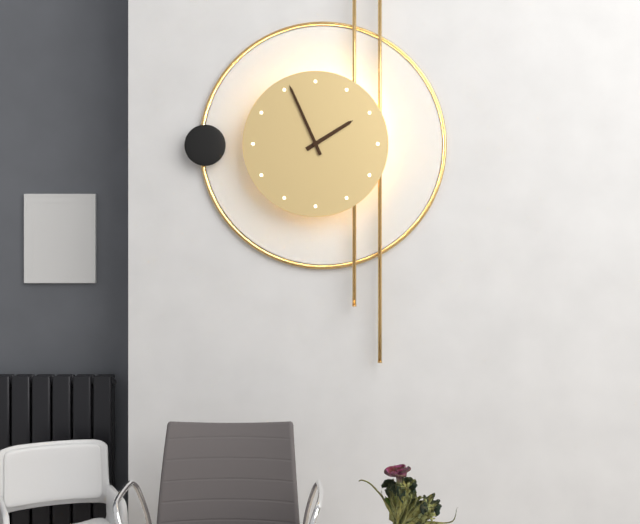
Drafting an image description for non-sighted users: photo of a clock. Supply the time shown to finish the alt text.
1:56
